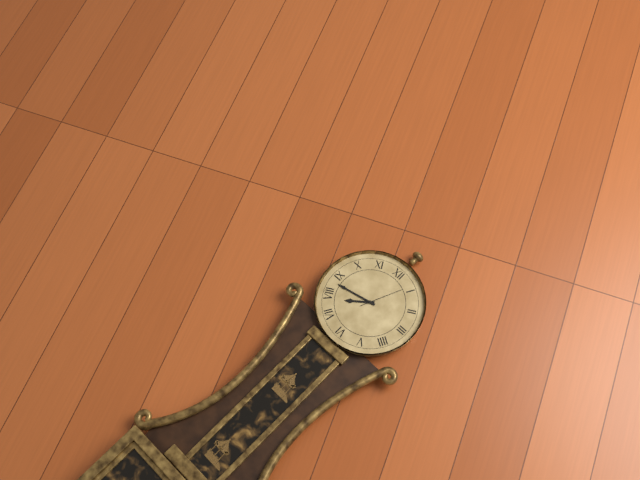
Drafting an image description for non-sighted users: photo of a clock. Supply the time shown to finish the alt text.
7:43
